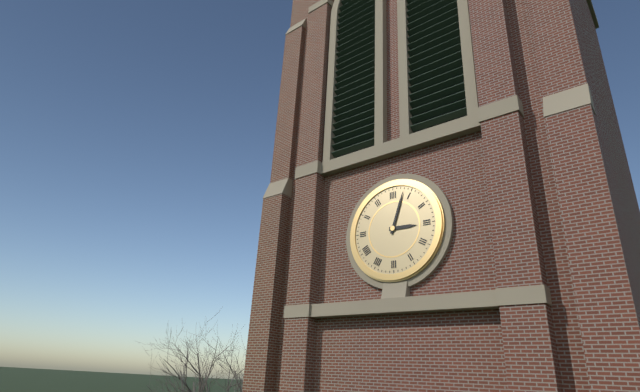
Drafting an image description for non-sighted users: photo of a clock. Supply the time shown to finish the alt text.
3:03
